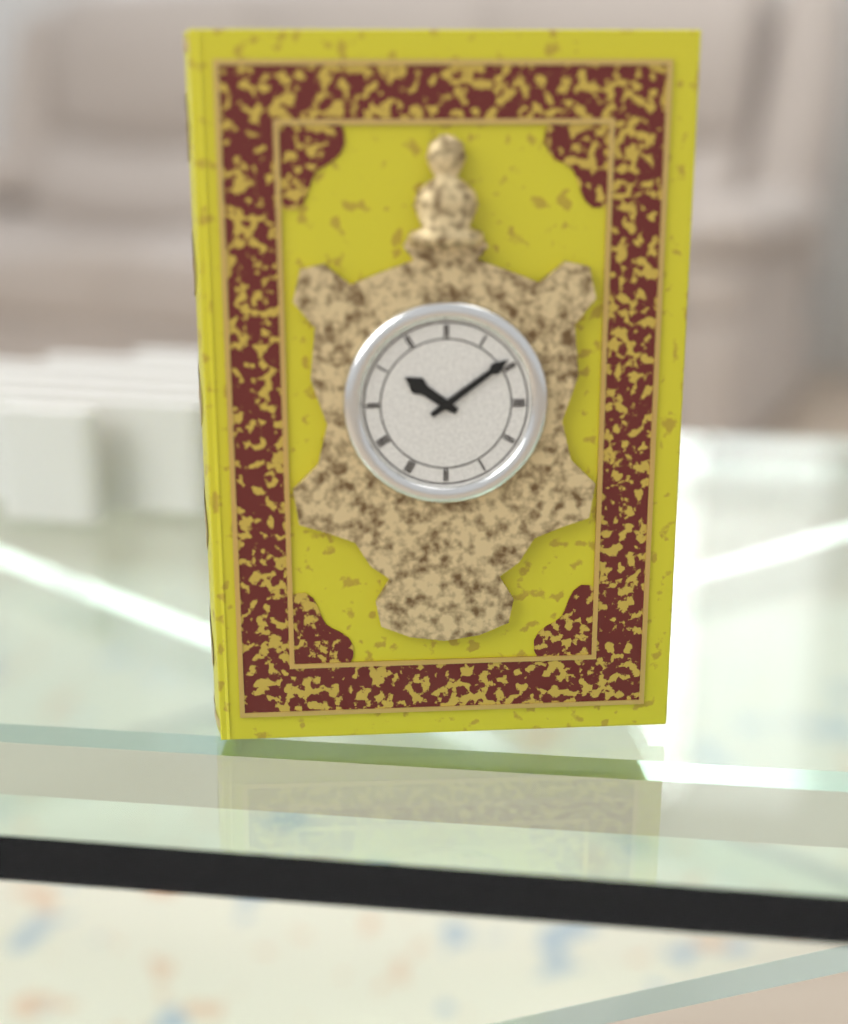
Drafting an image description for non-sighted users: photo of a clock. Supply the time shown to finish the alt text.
10:09
